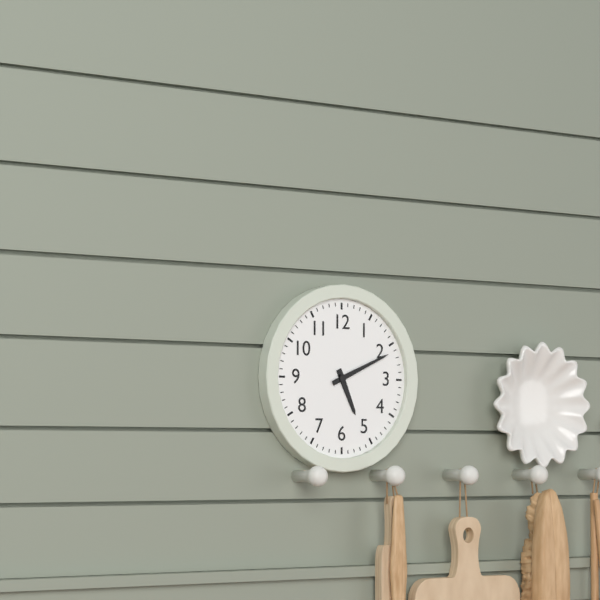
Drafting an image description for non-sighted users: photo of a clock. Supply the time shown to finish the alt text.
5:11
